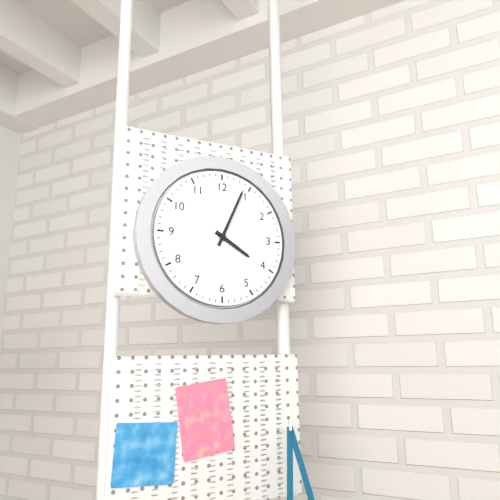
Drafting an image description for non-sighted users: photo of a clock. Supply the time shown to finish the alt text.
4:04
